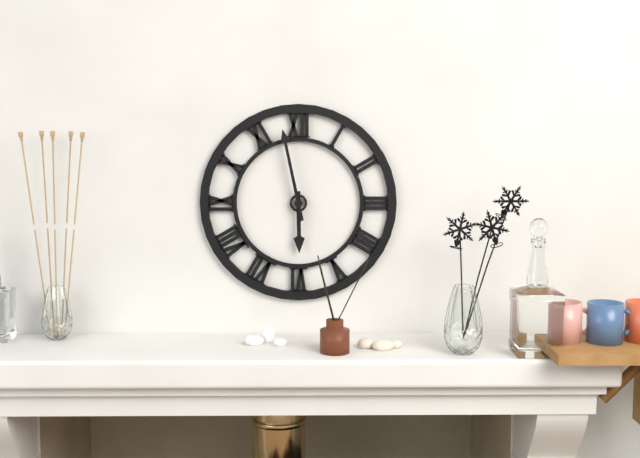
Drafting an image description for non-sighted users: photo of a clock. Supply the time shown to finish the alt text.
5:58
